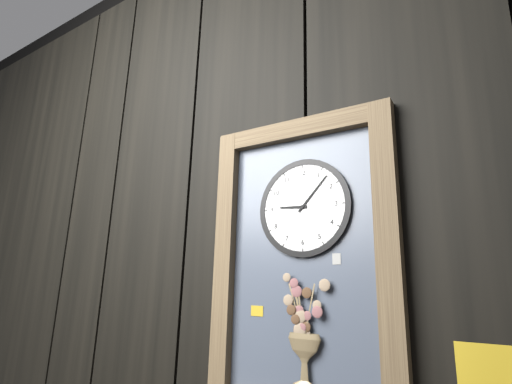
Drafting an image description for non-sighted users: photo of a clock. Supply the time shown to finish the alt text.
9:07
